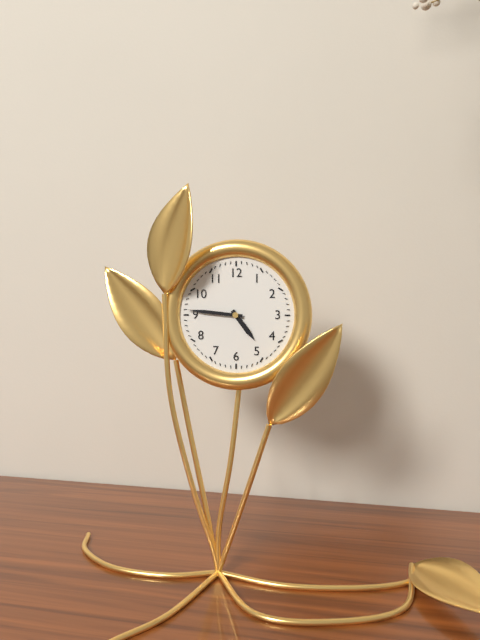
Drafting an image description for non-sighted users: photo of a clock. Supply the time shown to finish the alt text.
4:46
